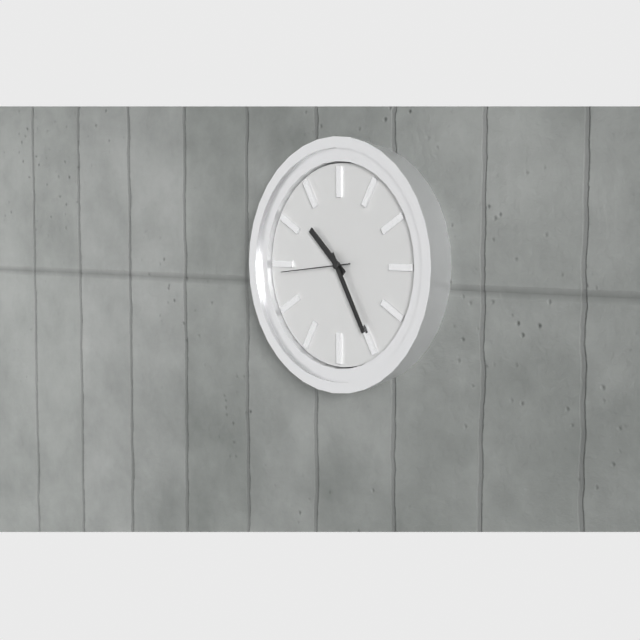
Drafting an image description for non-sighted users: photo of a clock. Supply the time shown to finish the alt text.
10:25:44
